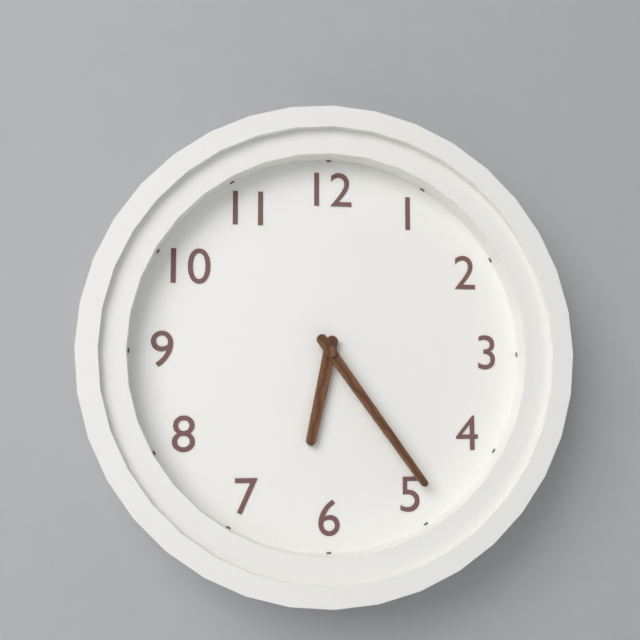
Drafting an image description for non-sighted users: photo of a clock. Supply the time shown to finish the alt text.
6:24
